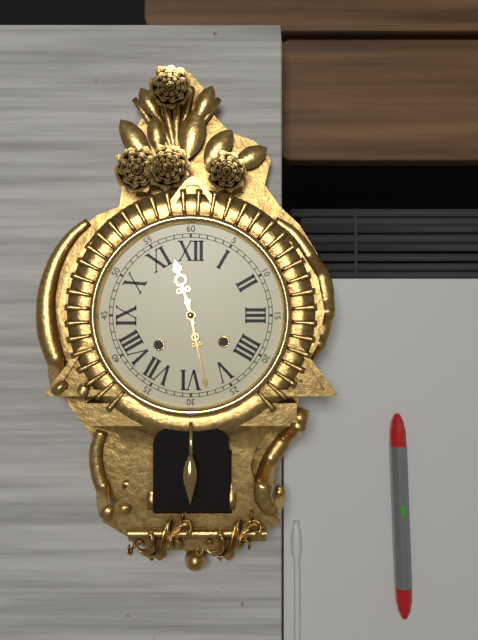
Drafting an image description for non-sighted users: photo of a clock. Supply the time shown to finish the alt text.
11:28
